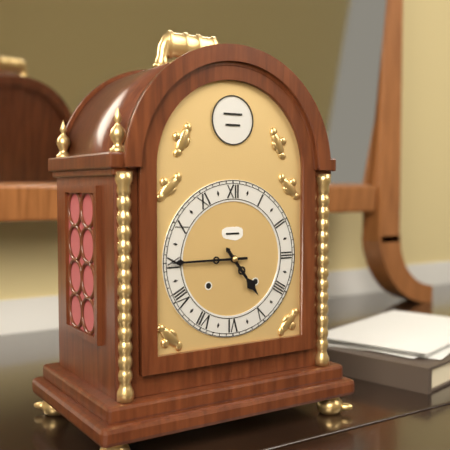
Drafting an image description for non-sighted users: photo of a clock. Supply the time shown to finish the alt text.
4:45
